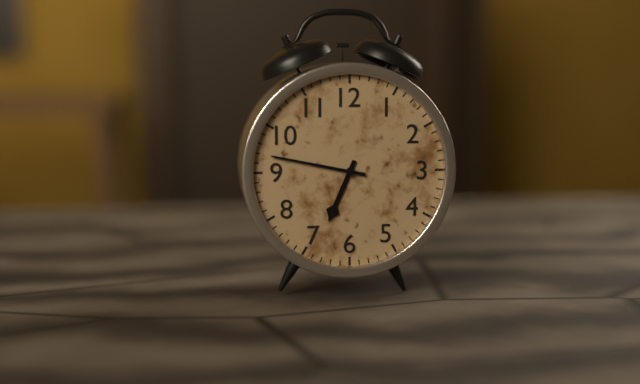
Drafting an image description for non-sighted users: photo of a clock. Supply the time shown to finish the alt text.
6:47
